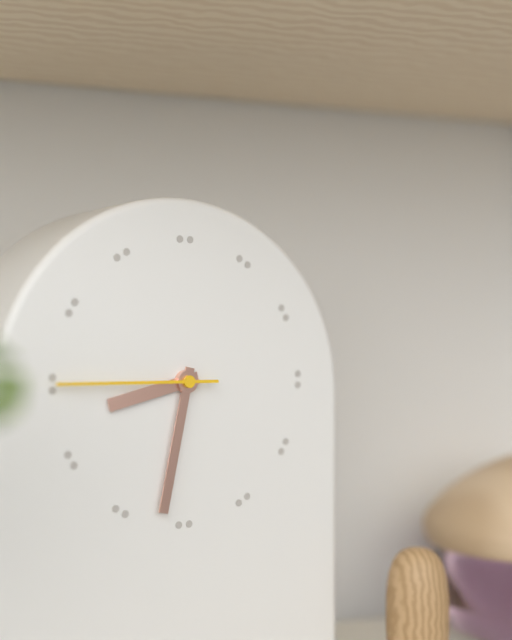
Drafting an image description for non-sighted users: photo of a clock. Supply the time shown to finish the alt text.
8:32:45
